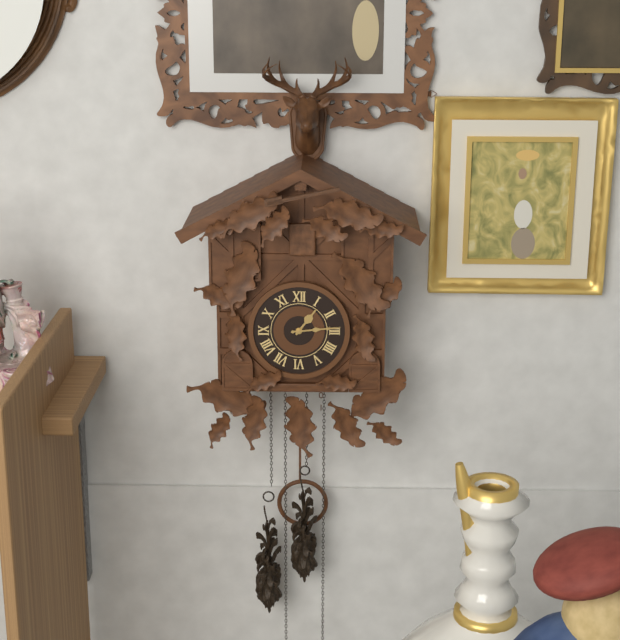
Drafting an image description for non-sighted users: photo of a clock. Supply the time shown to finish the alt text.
1:14
